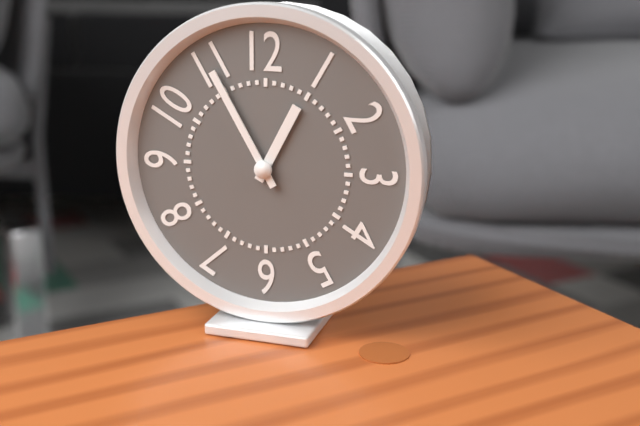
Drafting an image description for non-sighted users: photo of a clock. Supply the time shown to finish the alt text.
12:55
